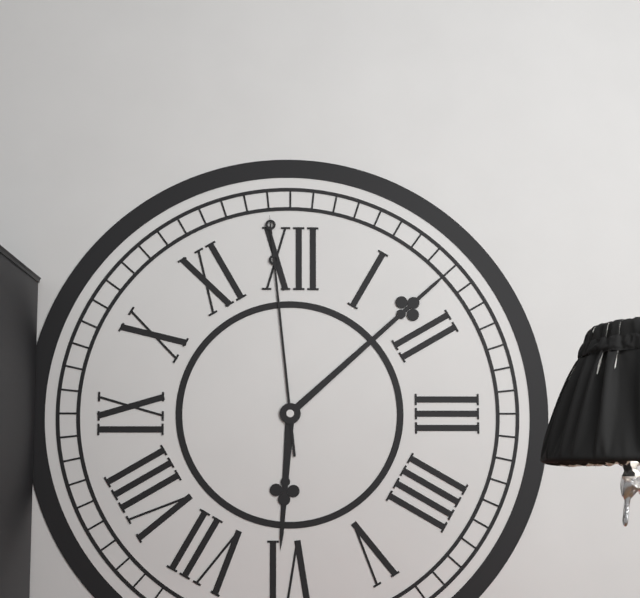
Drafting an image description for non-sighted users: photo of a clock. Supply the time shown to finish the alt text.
6:08:59
